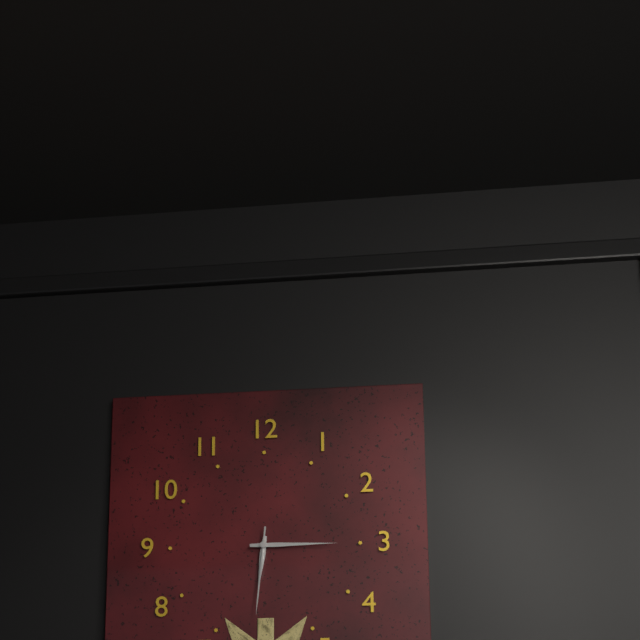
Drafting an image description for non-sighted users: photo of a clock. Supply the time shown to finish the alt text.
6:15:31
